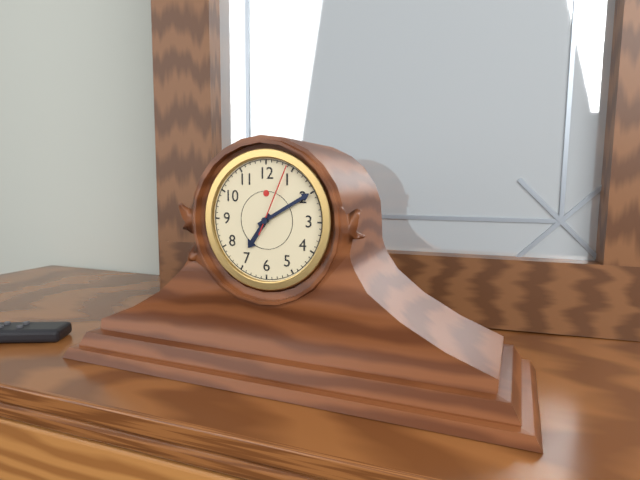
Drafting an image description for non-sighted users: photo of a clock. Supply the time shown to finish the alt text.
7:10:04
